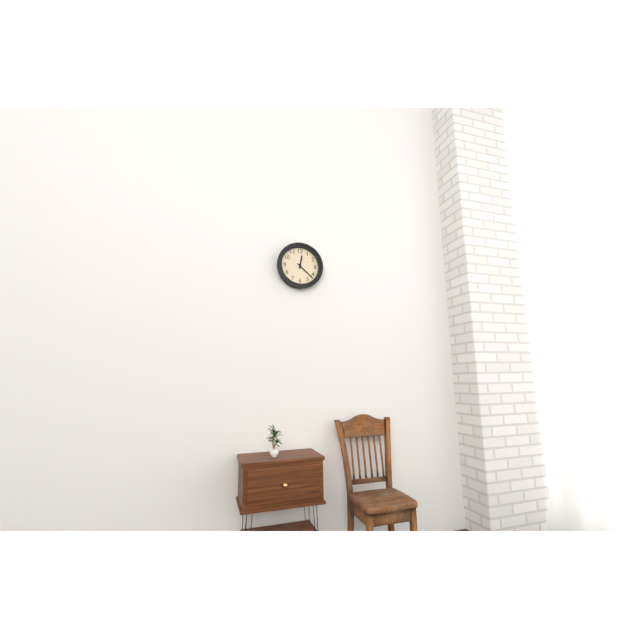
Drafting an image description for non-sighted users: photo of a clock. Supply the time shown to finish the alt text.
12:22
